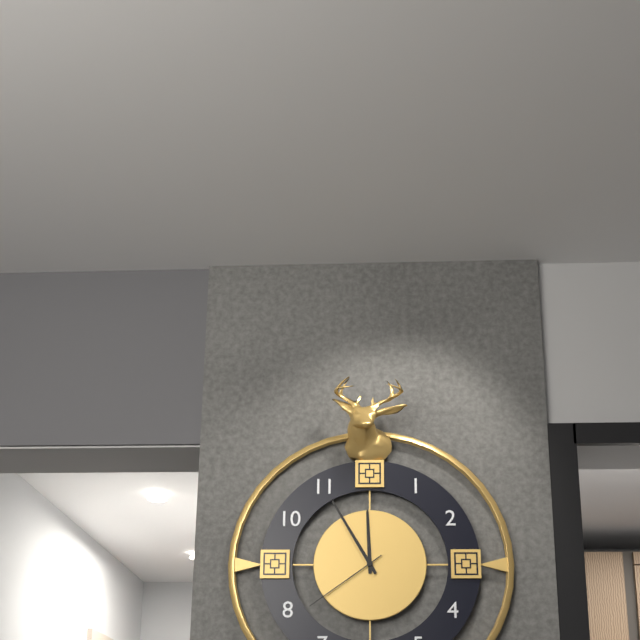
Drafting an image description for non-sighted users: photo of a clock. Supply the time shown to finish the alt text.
11:55:39
